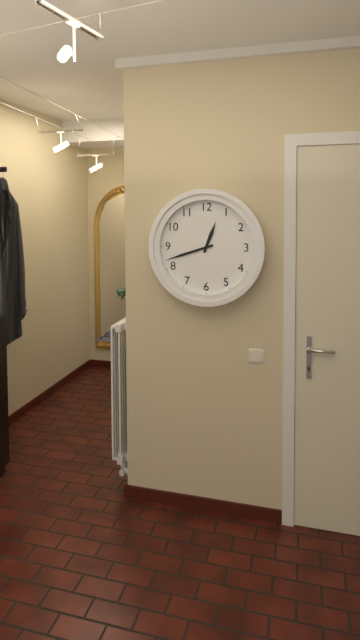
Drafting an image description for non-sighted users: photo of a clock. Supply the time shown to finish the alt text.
12:42
